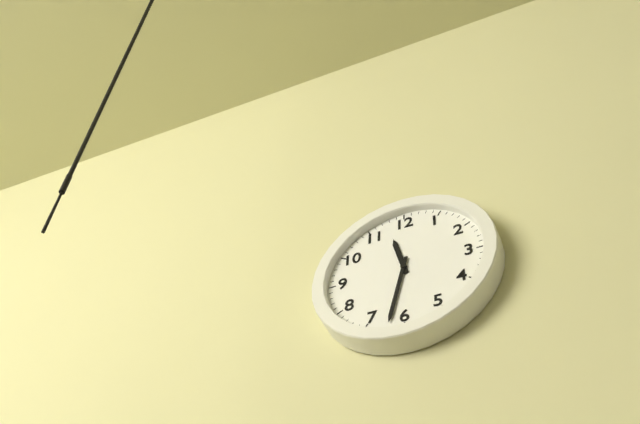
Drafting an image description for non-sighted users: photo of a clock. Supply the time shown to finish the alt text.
11:32
